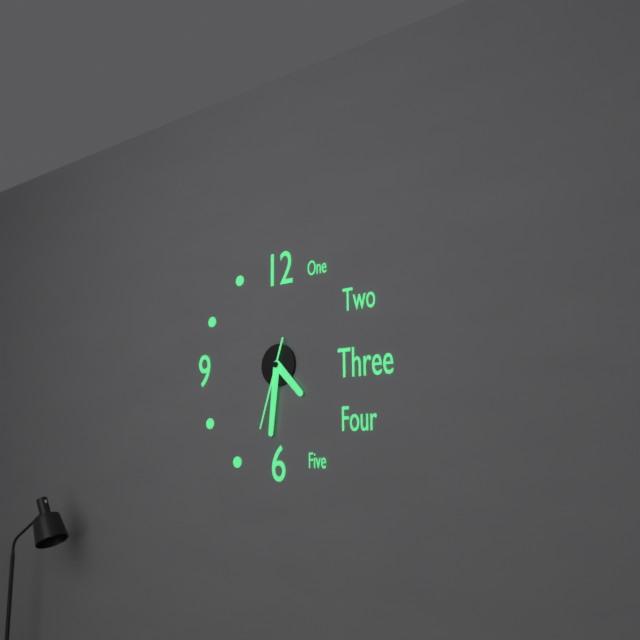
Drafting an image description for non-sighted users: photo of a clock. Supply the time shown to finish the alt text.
4:31:33
